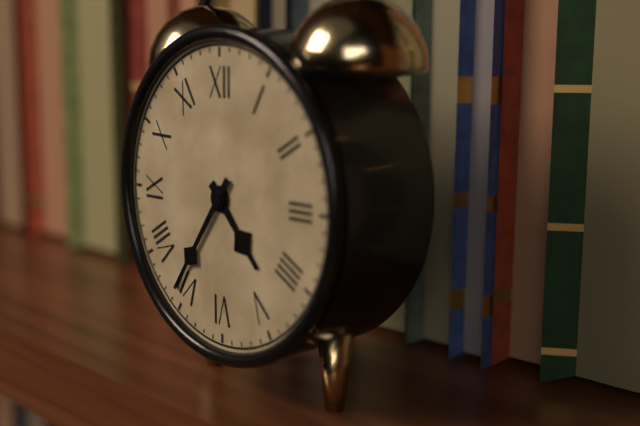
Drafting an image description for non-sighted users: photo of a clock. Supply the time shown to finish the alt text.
4:36
